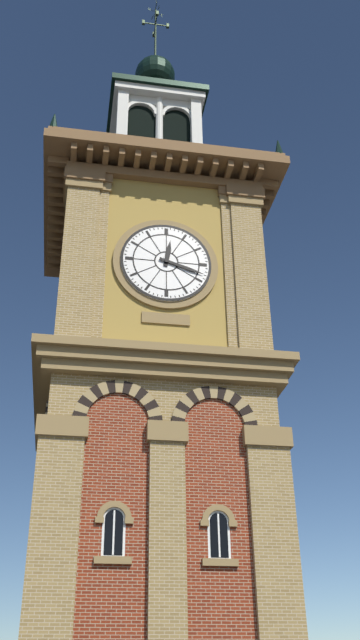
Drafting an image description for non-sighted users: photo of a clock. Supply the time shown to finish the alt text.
12:18
